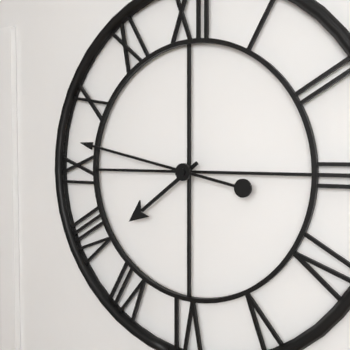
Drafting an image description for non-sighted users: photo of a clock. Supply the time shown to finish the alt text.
7:47
